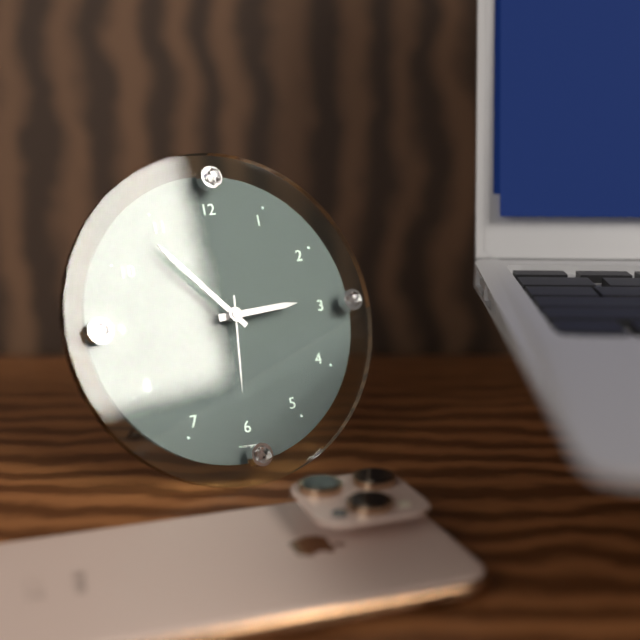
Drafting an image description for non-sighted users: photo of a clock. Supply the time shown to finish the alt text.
2:53:31
